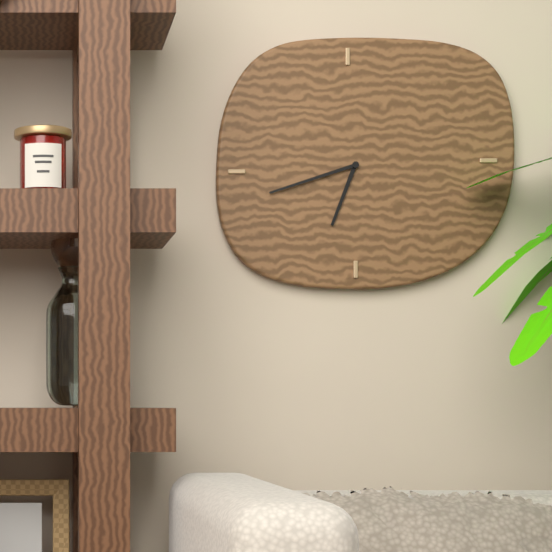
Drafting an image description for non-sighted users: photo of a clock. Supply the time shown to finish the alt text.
6:42
